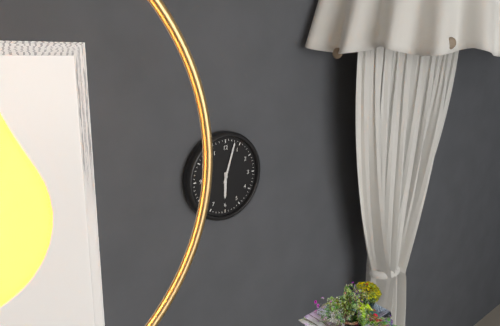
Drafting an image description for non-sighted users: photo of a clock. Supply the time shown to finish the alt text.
6:03
